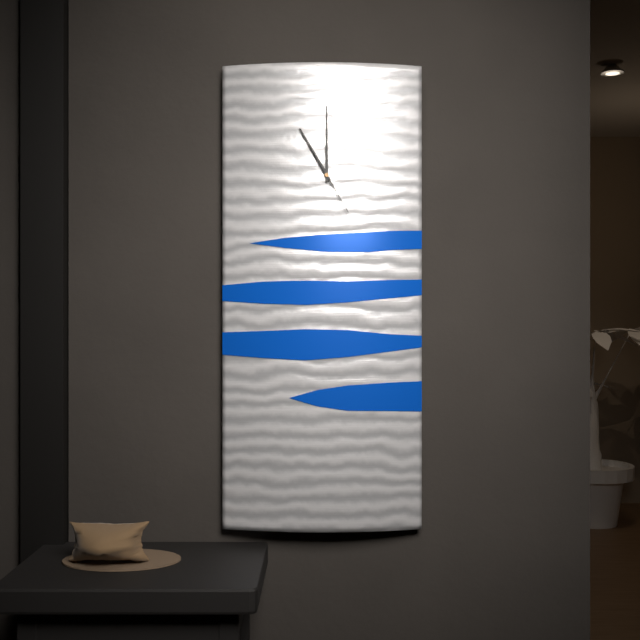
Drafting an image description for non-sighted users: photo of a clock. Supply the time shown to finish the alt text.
11:00
